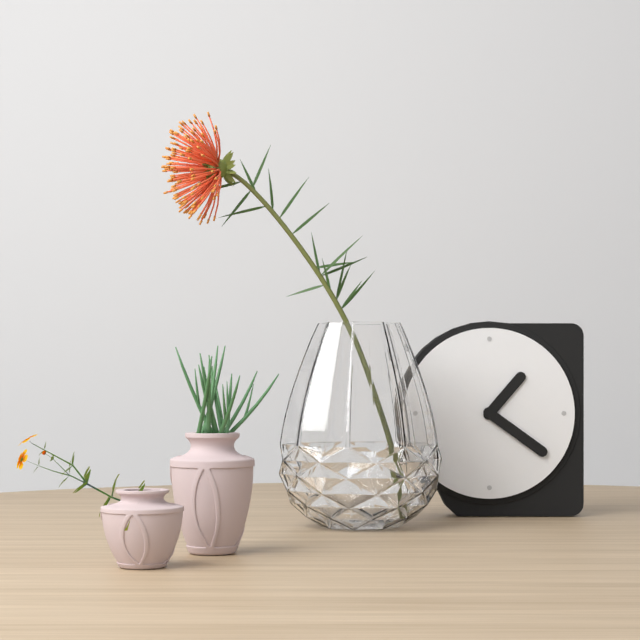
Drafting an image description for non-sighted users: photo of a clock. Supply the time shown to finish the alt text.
1:21
